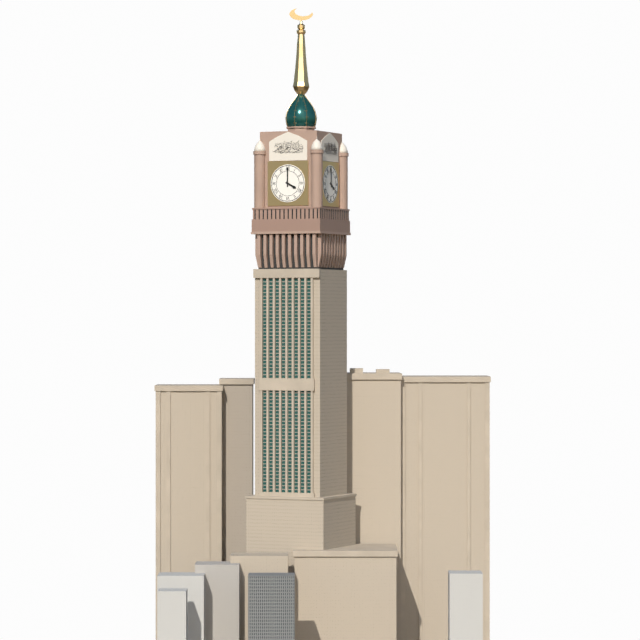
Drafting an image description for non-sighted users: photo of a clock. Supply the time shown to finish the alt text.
4:00
